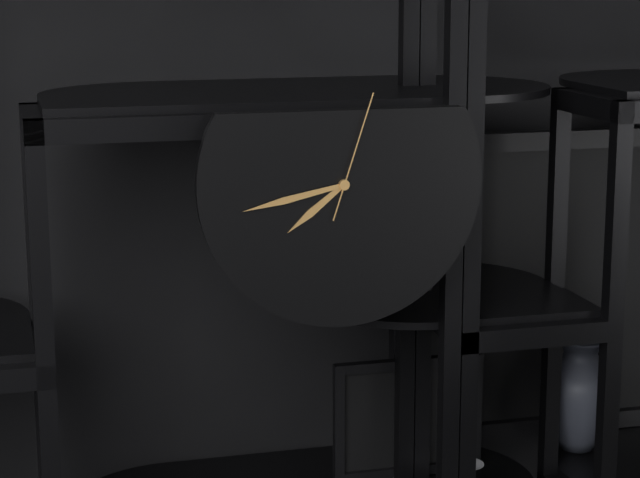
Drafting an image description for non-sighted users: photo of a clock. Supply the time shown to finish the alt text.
7:43:03
